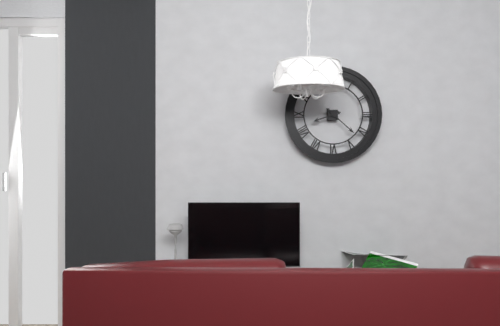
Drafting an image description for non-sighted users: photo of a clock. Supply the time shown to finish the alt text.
8:22
